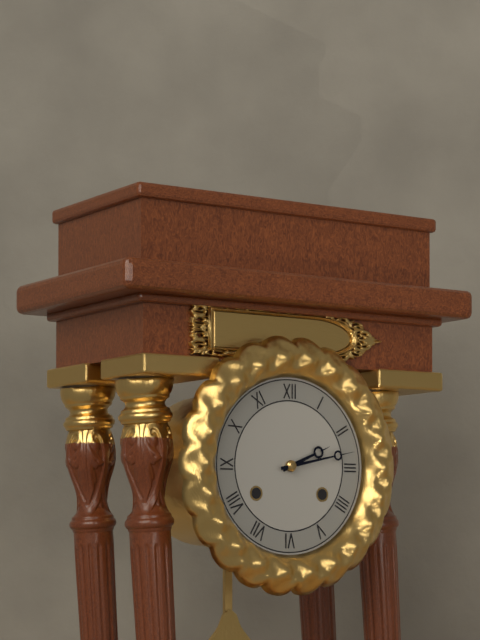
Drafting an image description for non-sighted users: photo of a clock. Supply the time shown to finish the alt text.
2:13
